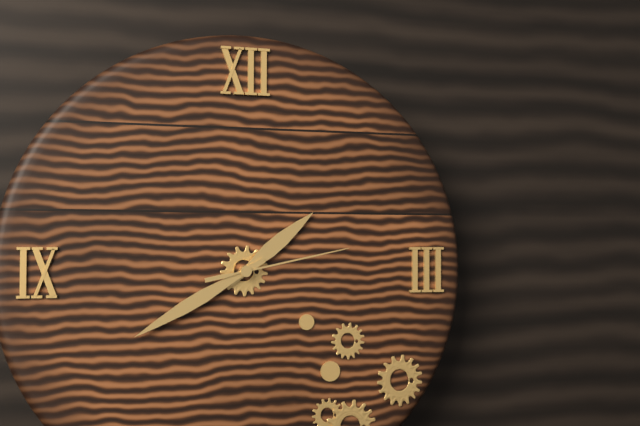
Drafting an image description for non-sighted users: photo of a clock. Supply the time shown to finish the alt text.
1:40:13
